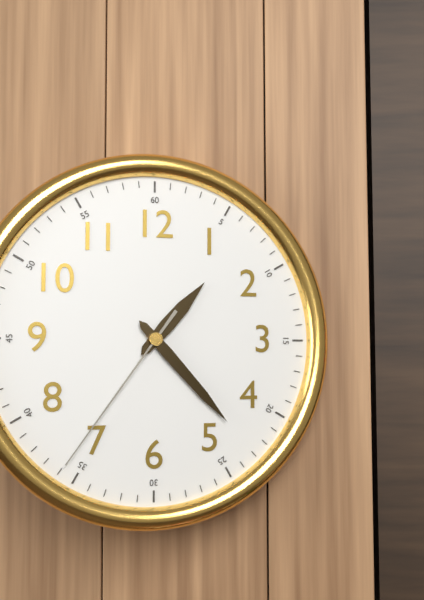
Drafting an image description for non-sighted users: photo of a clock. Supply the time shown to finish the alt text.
1:23:36
